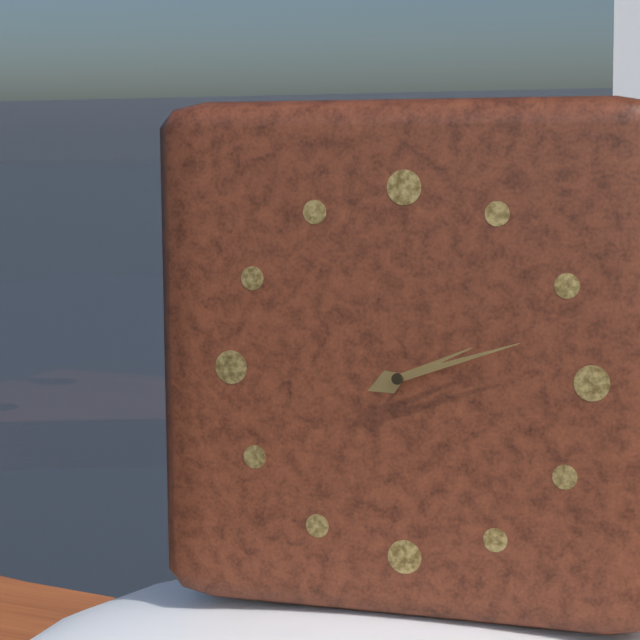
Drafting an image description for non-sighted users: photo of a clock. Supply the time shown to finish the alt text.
2:12
